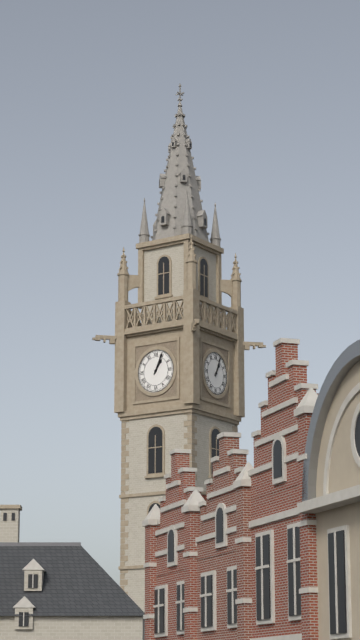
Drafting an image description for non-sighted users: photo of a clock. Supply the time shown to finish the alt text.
1:04
